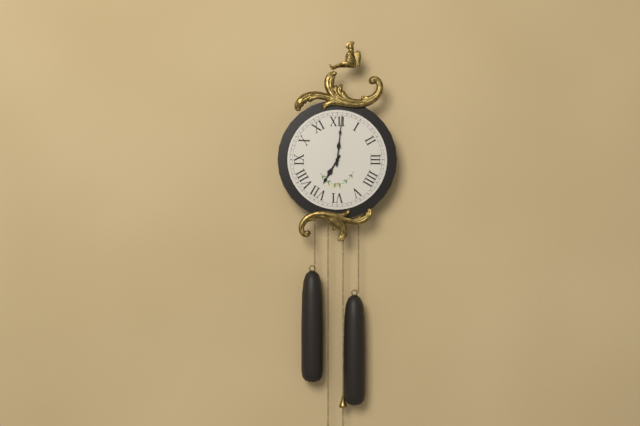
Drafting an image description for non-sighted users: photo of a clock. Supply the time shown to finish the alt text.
7:01
